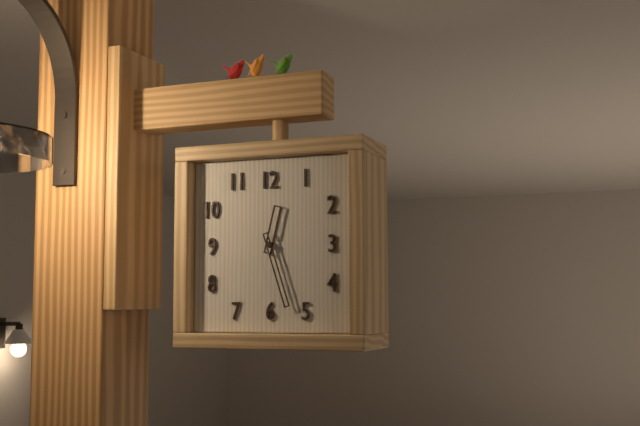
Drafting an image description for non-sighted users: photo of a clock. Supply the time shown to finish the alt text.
12:27
